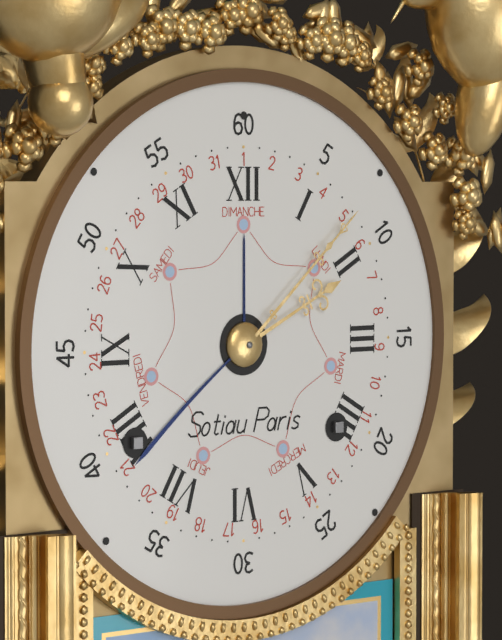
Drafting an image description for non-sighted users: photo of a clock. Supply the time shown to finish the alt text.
2:08
